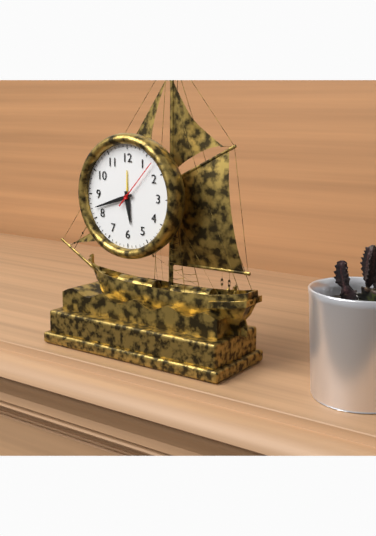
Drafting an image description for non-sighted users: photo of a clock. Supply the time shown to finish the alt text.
5:42:07
